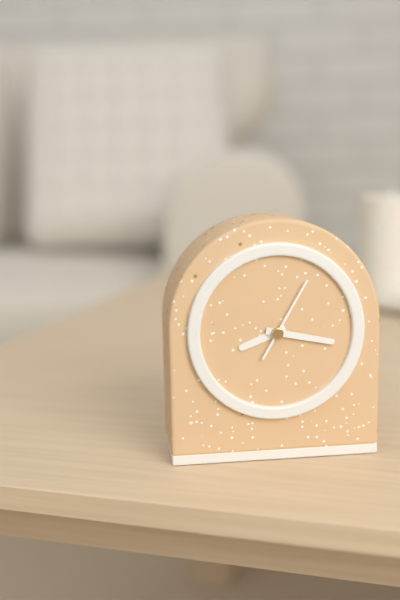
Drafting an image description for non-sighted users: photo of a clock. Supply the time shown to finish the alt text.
8:17:05
